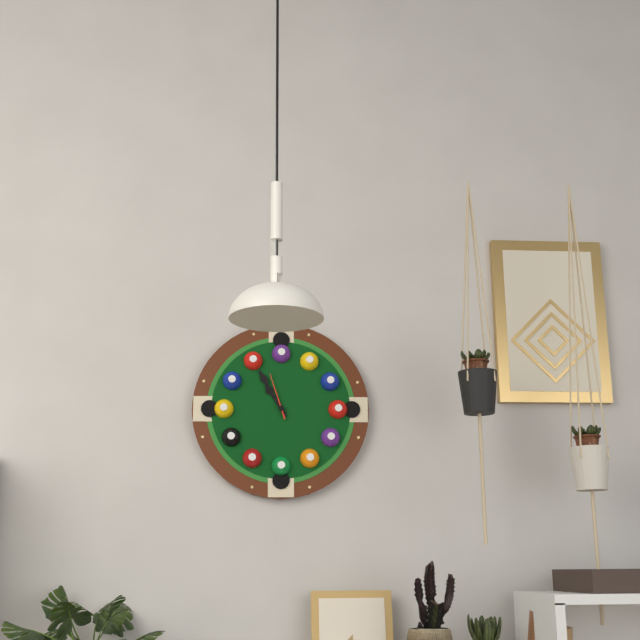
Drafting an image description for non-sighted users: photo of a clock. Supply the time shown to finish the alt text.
10:55
